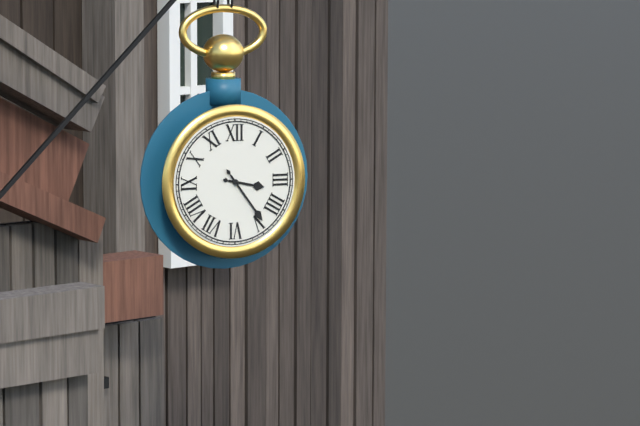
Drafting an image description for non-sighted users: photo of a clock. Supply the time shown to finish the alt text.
3:24
